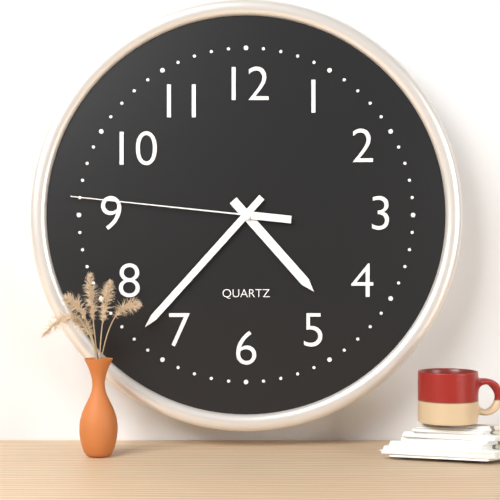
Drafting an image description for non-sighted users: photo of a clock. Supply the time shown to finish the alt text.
4:37:46
